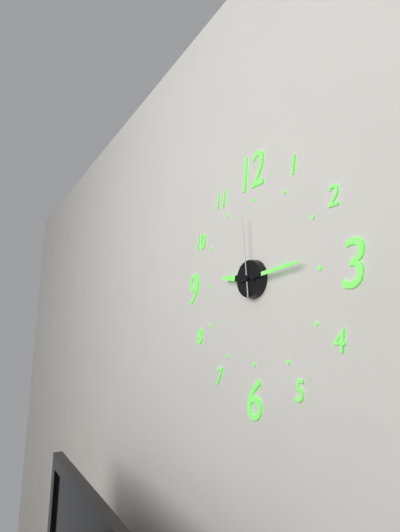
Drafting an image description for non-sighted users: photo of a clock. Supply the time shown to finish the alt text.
9:14:59
